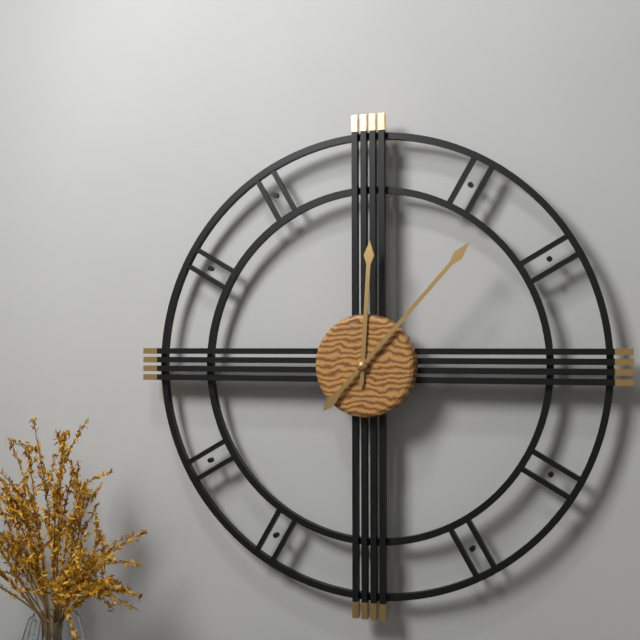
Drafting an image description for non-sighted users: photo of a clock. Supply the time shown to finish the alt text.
12:07
